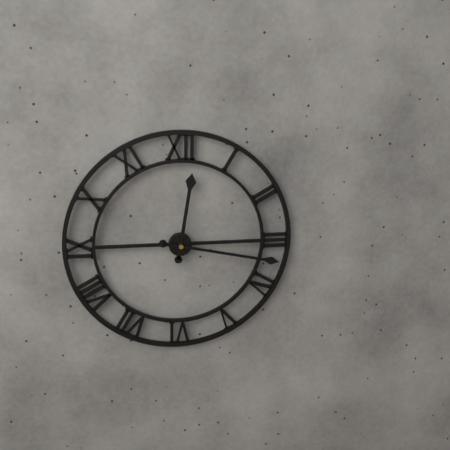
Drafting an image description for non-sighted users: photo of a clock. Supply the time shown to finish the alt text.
12:17
